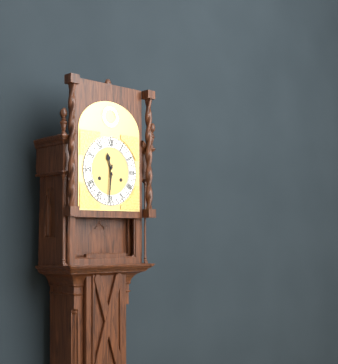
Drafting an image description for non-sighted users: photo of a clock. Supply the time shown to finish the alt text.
11:31
